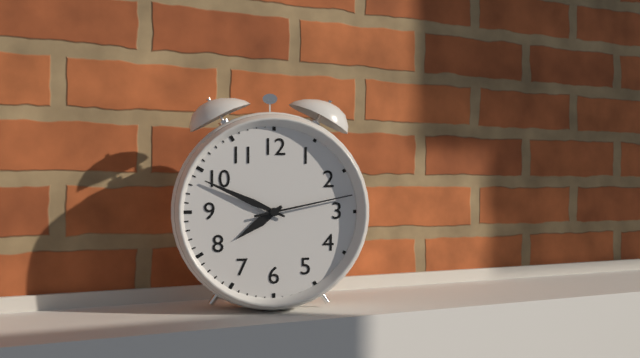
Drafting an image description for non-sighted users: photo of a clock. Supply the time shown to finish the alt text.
7:49:13
